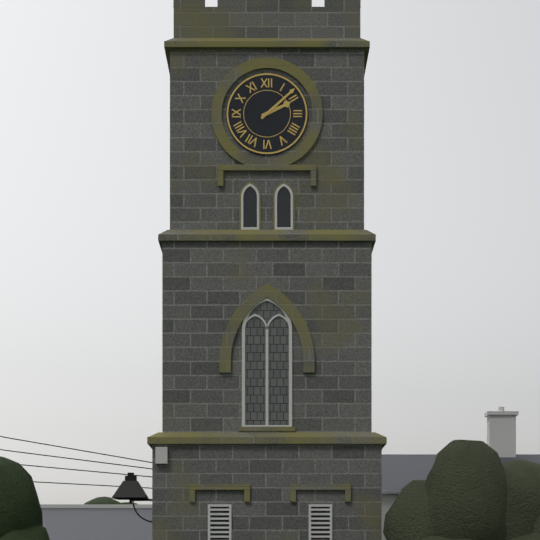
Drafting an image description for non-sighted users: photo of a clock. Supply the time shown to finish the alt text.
2:08
